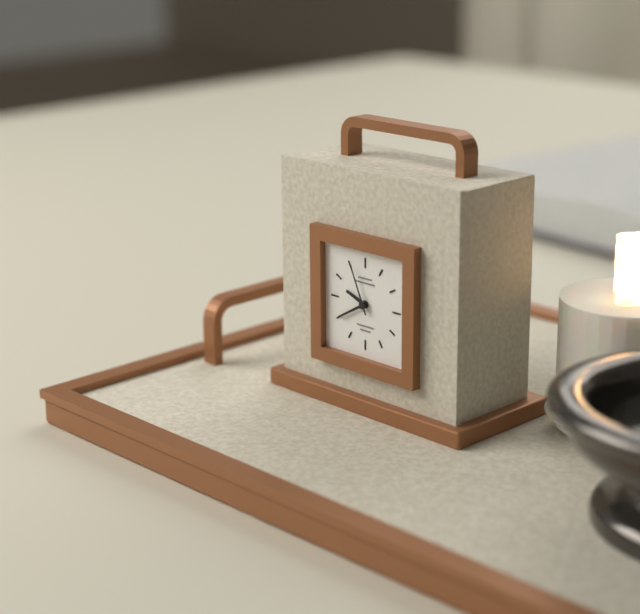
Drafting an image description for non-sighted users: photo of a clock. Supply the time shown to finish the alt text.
9:40:56
